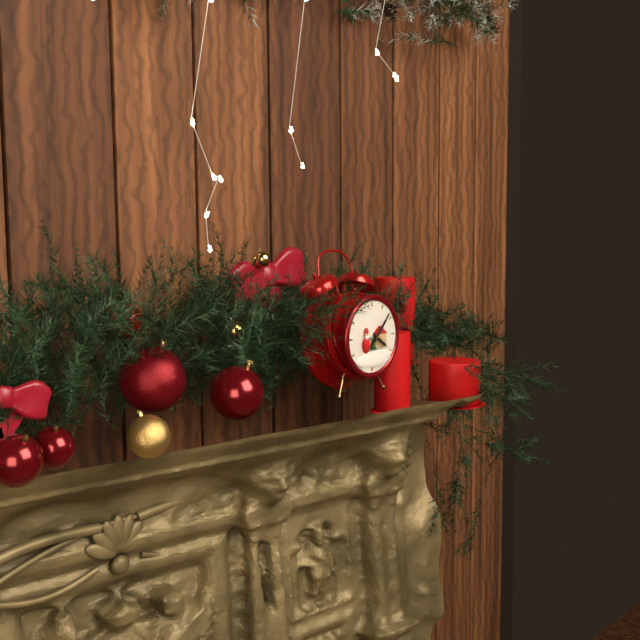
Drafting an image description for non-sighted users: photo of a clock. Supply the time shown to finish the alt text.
4:07
